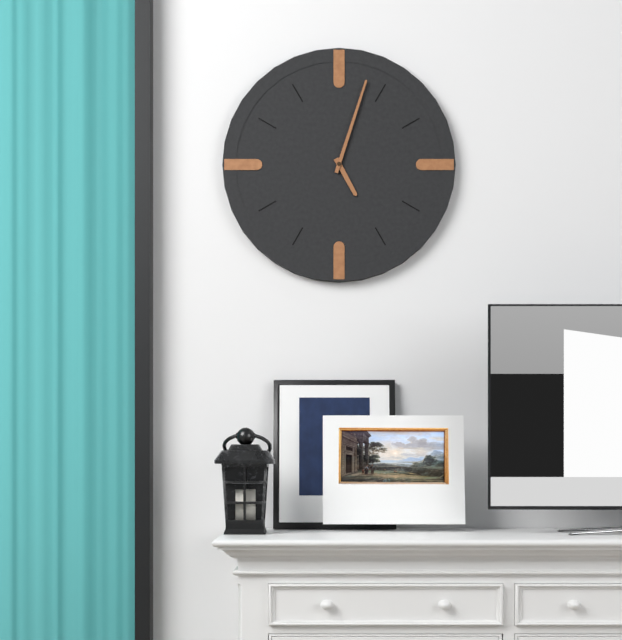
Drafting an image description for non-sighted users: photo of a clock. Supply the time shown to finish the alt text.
5:03
